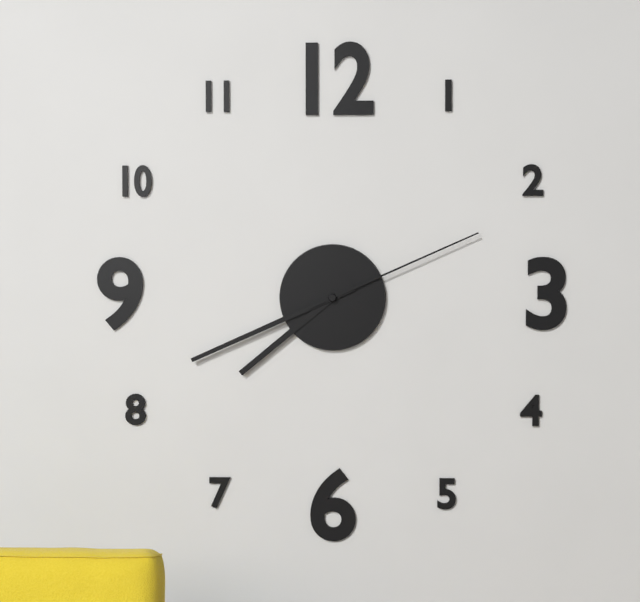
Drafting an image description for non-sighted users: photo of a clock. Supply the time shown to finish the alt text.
7:41:11
